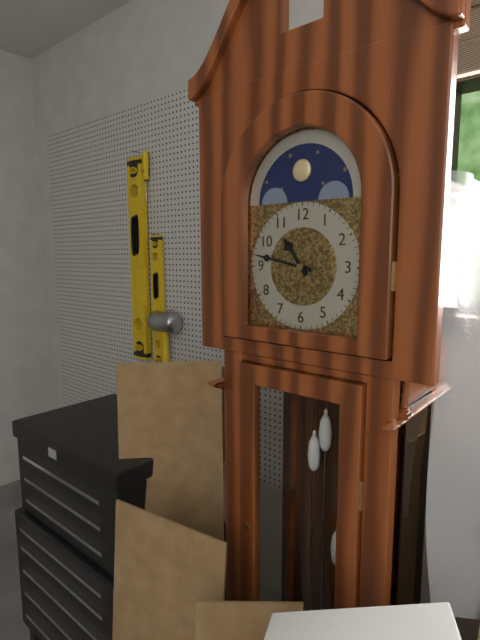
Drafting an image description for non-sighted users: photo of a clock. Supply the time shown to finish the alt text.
10:47
